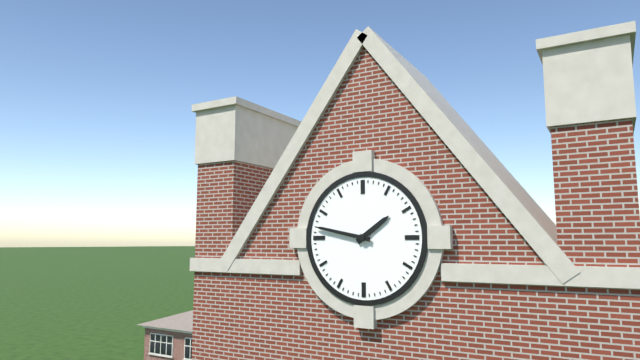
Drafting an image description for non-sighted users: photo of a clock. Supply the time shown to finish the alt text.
1:47
